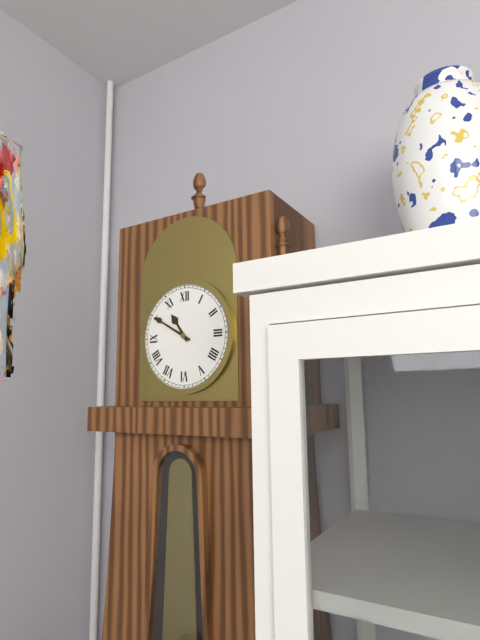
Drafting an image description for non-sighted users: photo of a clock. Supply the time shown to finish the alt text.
10:50
